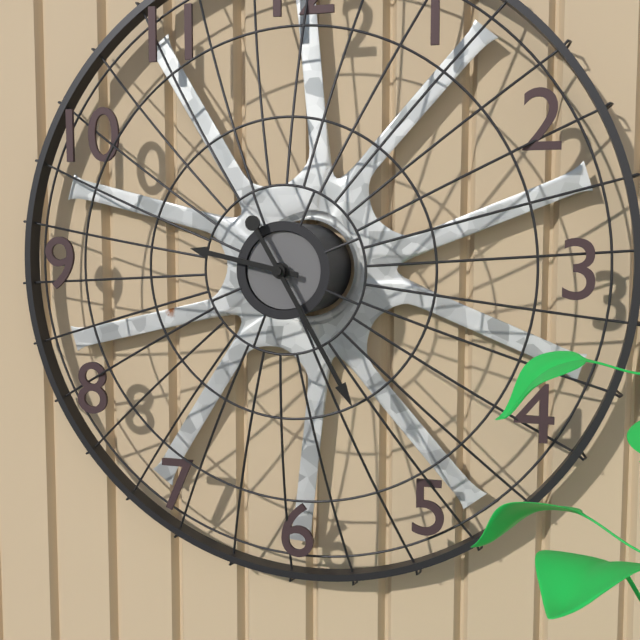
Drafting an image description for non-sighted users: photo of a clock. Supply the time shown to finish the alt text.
9:25
